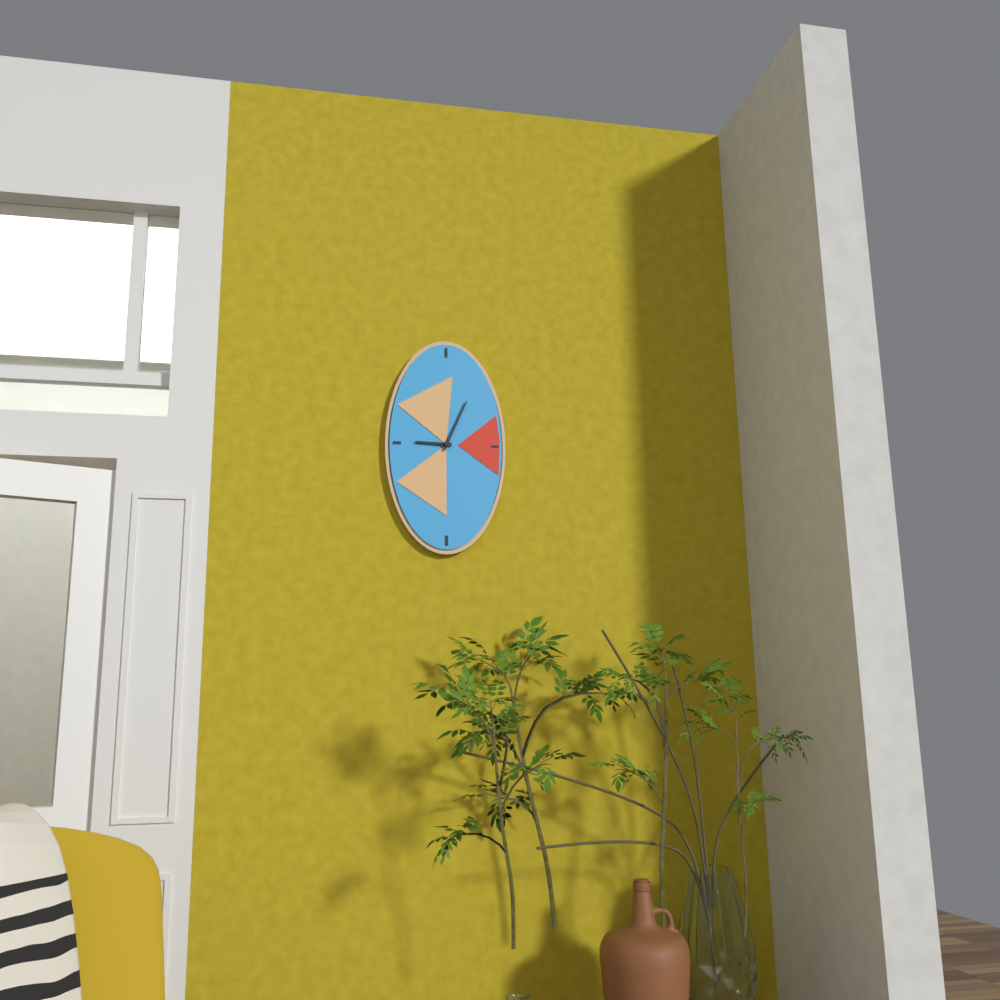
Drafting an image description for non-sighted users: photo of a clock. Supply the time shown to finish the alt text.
9:04
